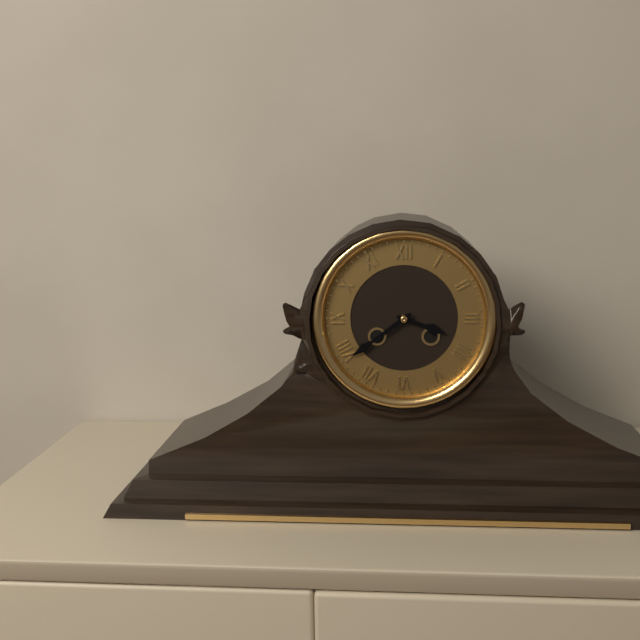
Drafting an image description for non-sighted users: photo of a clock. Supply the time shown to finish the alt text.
3:39
